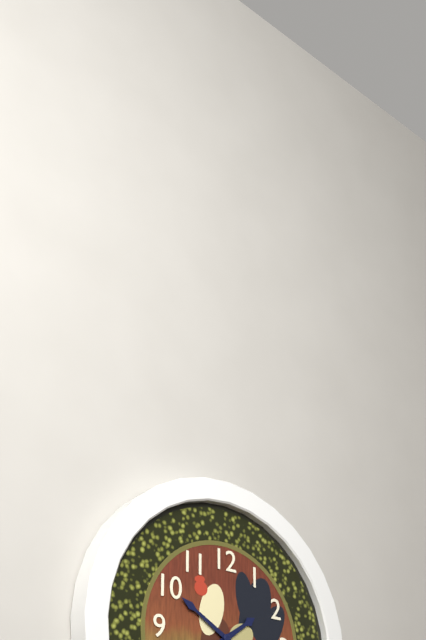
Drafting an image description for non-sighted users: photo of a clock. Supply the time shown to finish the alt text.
1:50
